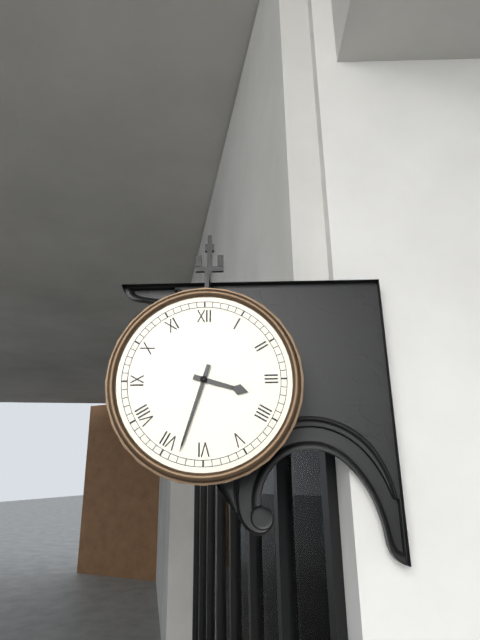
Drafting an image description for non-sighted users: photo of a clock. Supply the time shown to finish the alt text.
3:33
